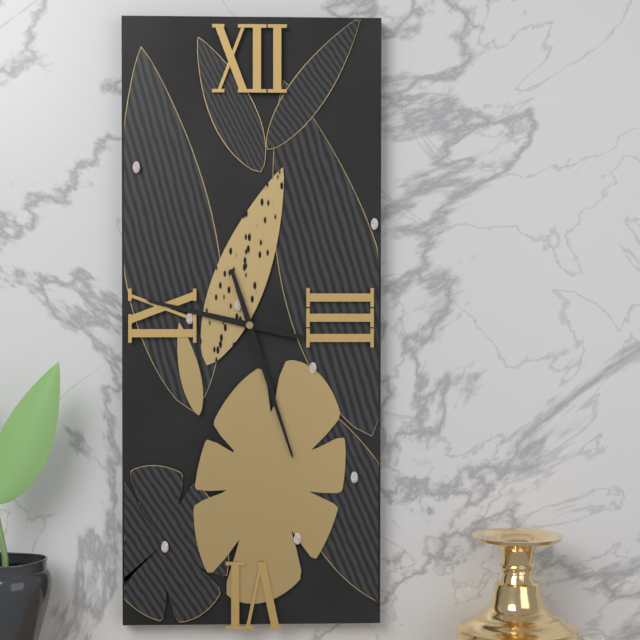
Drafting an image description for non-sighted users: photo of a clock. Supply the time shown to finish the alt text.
9:27
